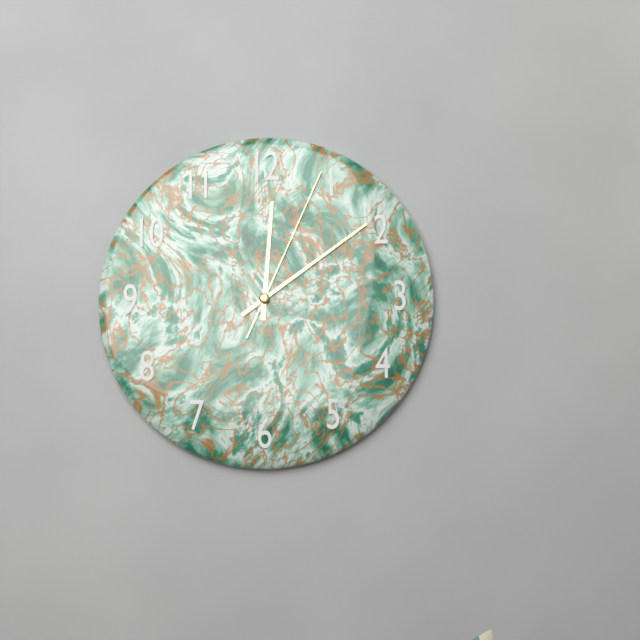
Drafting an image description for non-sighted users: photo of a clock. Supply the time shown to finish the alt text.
12:09:04
